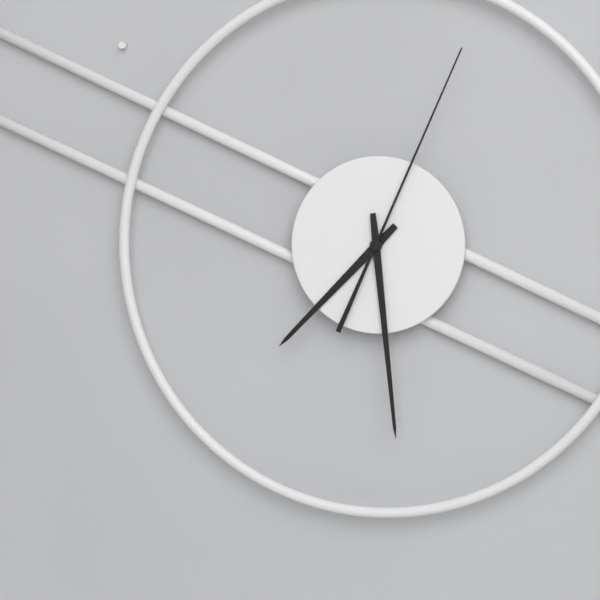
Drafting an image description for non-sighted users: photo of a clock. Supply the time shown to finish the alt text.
7:29:04
